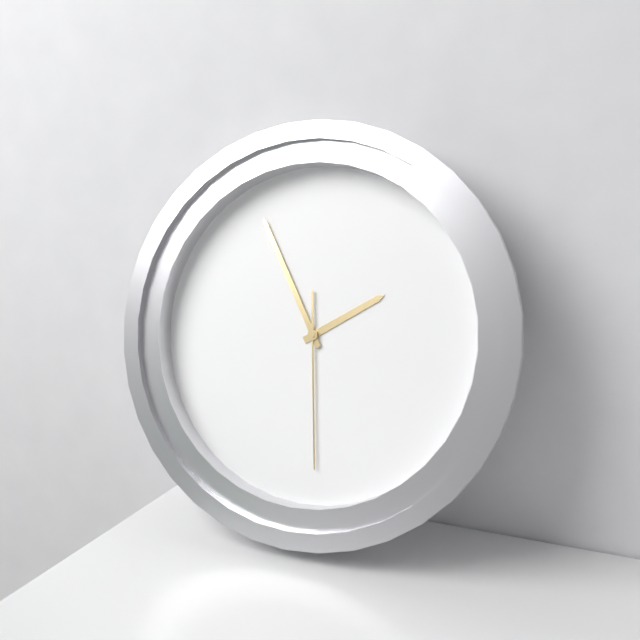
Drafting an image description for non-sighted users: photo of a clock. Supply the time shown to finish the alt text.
1:55:29
